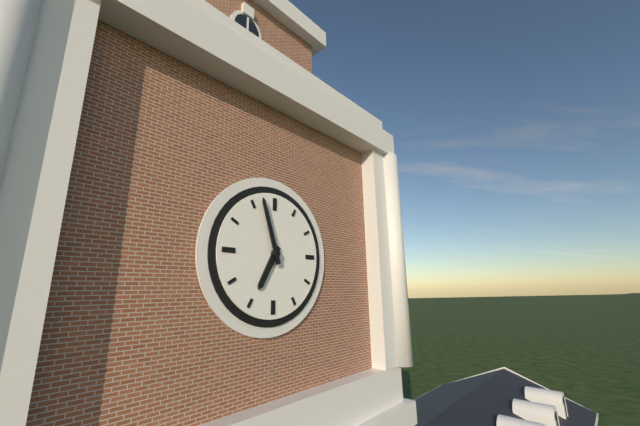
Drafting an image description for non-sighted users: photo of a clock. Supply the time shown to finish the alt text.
6:57
